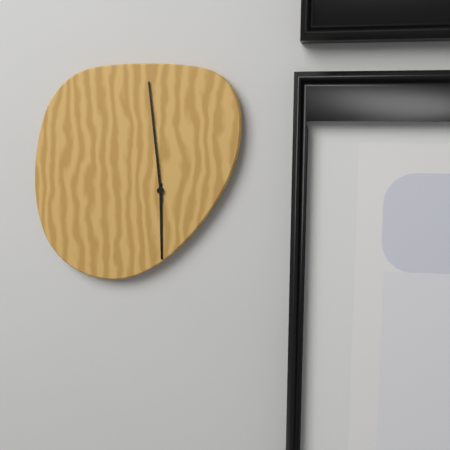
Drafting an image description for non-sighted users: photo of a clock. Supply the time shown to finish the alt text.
5:59
